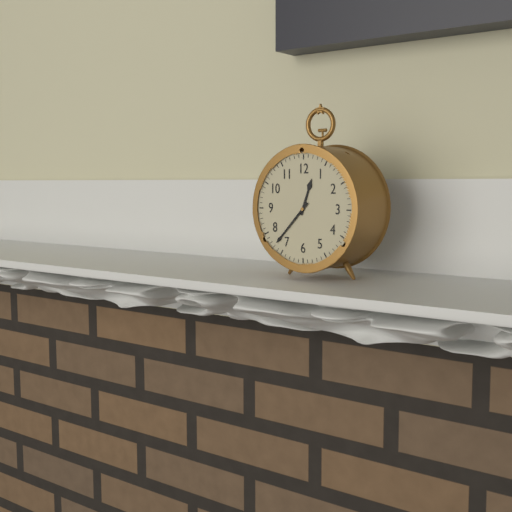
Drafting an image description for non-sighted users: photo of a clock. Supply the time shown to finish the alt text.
12:37
